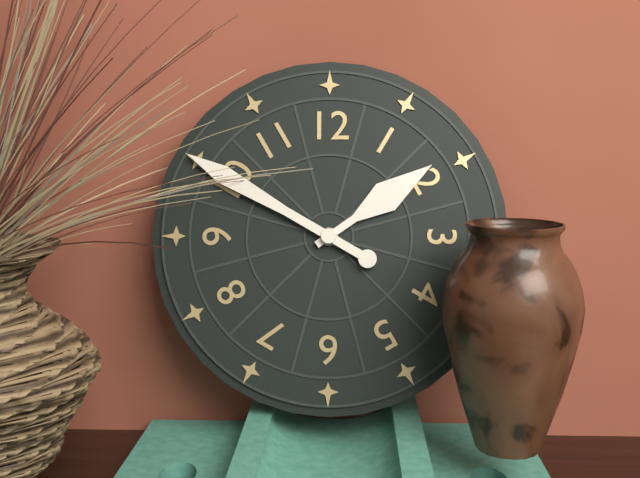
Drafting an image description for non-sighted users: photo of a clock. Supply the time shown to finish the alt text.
1:50
